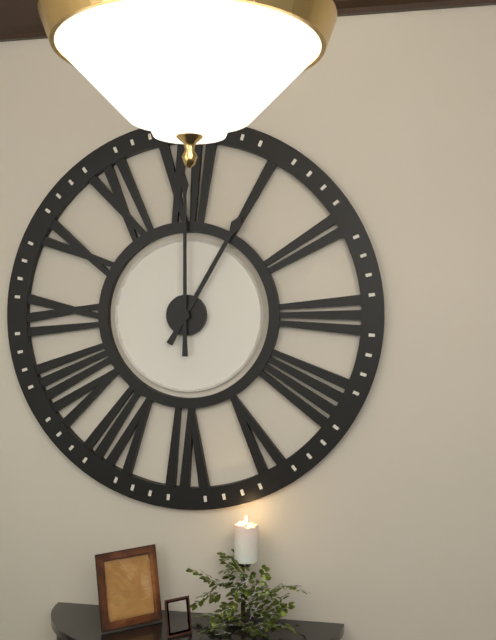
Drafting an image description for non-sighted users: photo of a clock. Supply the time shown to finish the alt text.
1:00
